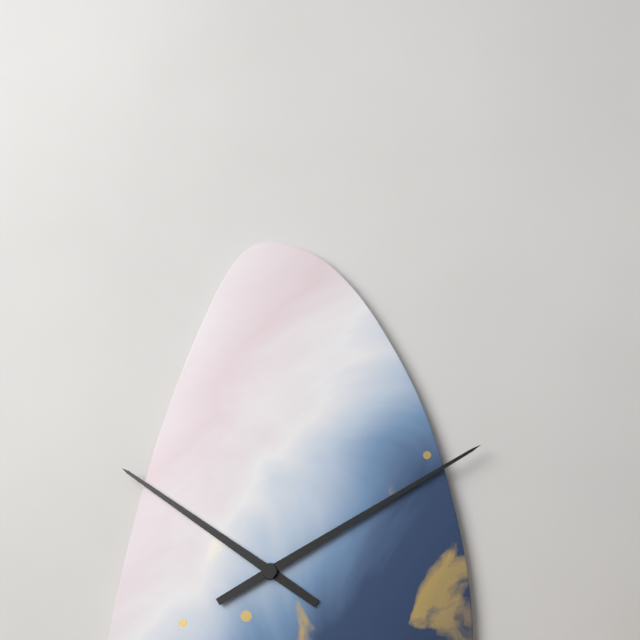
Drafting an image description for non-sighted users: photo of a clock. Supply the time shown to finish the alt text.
10:10
